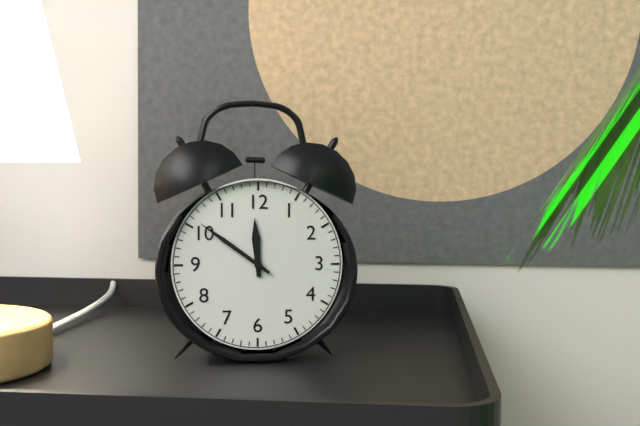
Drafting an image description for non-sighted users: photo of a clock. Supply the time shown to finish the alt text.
11:51
